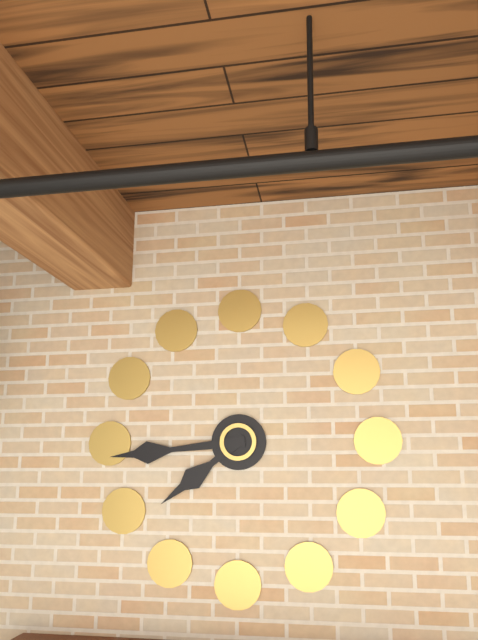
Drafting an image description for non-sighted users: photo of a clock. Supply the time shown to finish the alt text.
7:44
